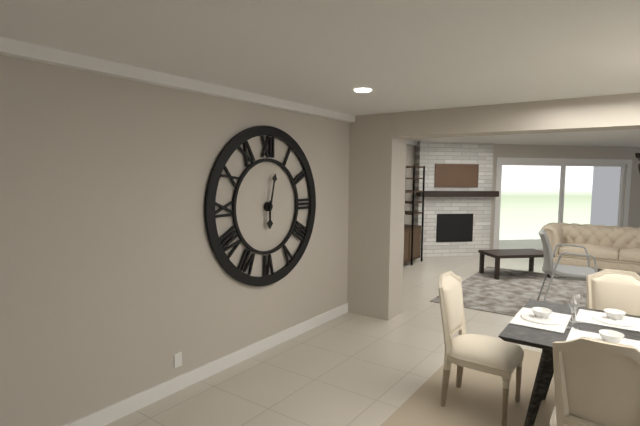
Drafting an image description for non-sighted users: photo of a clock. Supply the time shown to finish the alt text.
6:02
